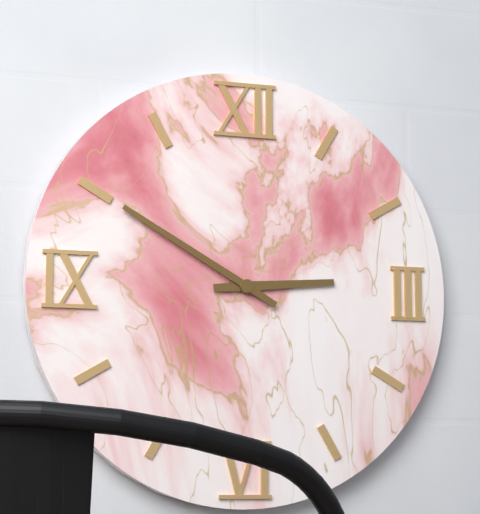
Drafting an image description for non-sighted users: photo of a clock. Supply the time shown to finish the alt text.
2:50
